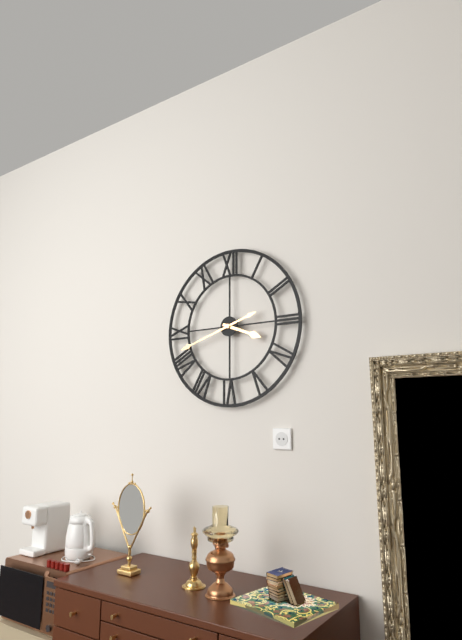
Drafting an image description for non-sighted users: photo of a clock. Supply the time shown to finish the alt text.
3:42
